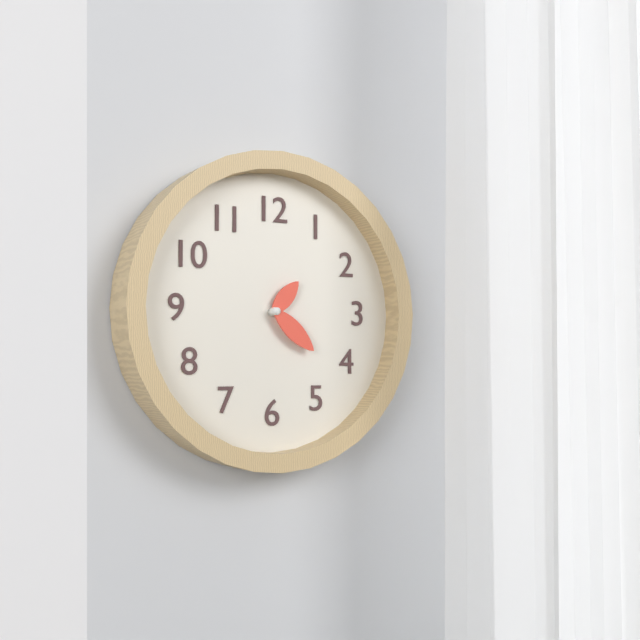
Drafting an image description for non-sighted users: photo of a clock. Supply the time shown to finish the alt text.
1:22
